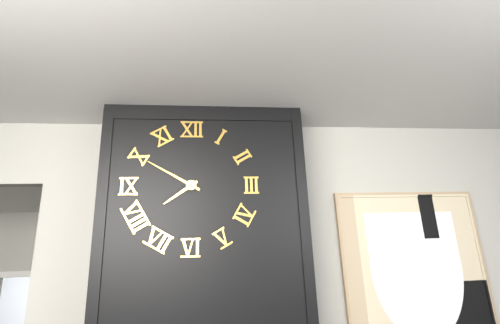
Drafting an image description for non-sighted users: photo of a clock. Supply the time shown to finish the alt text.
7:50
